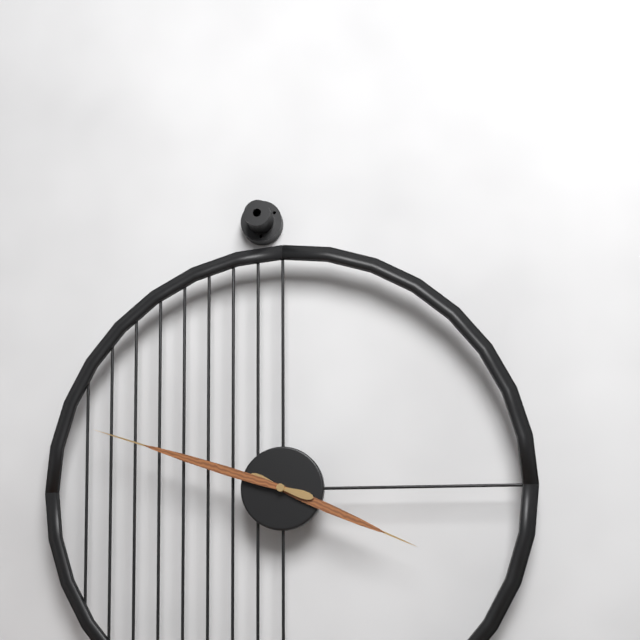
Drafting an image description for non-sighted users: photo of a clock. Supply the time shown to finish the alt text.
3:48
